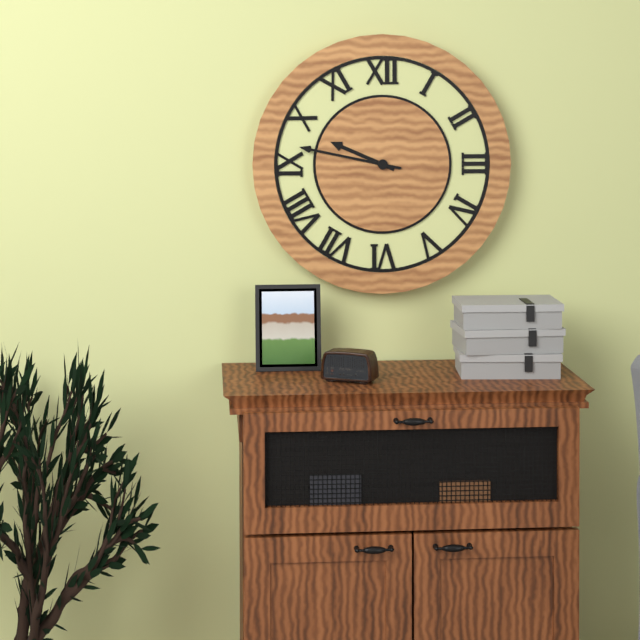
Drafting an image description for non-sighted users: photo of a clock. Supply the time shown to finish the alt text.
9:47
